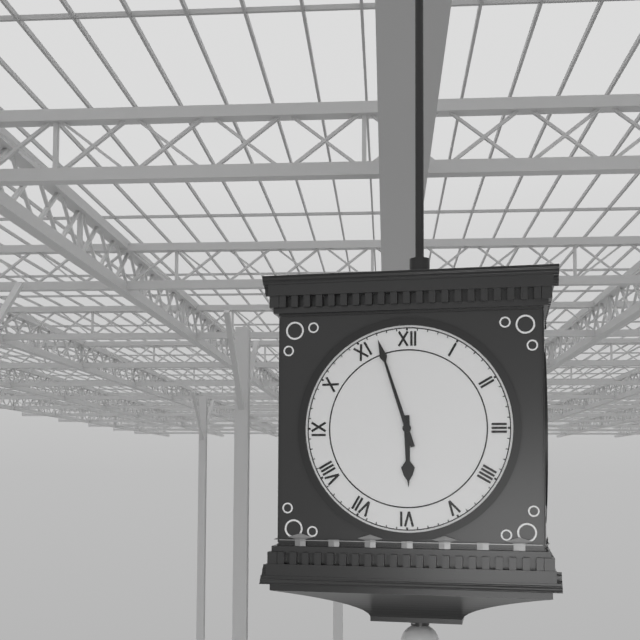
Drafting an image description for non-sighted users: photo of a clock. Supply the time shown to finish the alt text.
5:57
